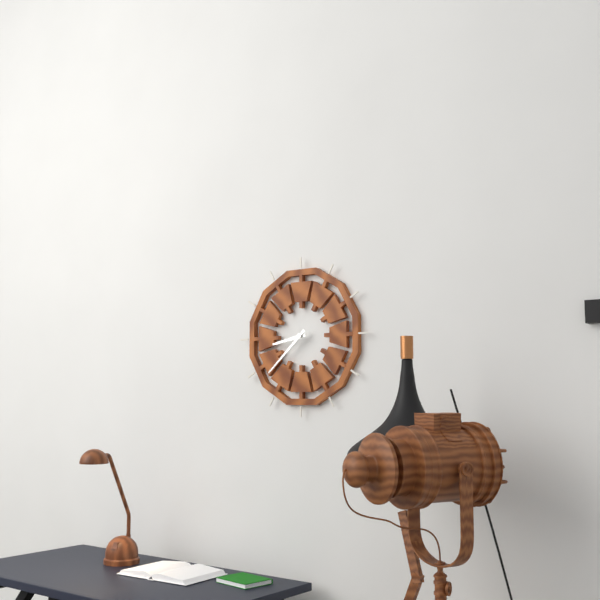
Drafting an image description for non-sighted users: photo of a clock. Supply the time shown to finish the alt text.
8:38
